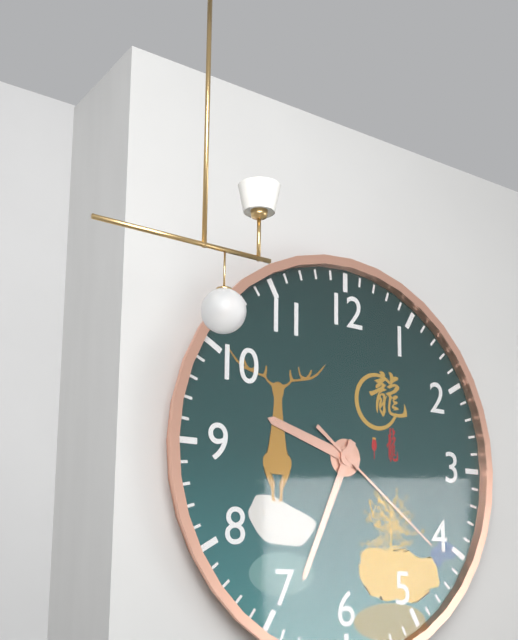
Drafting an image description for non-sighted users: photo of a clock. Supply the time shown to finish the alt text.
9:34:21
